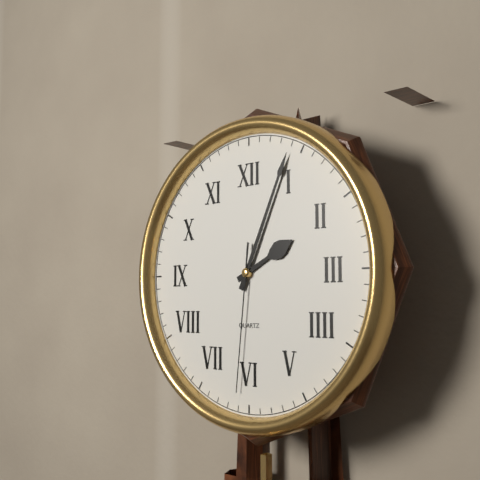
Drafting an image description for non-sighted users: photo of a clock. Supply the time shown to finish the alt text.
2:04:31
